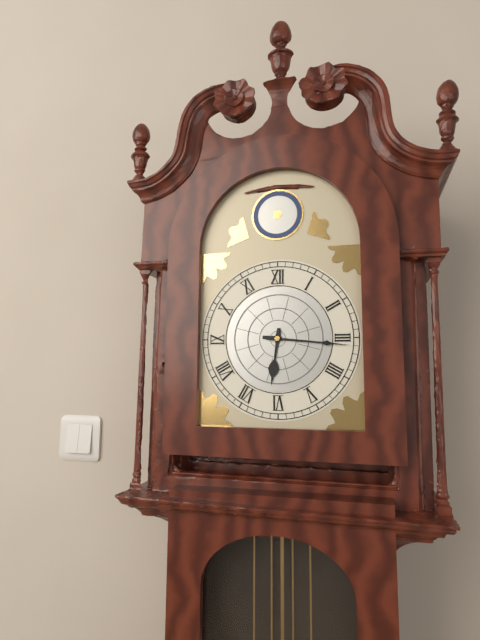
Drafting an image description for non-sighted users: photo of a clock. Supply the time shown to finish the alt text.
6:16
